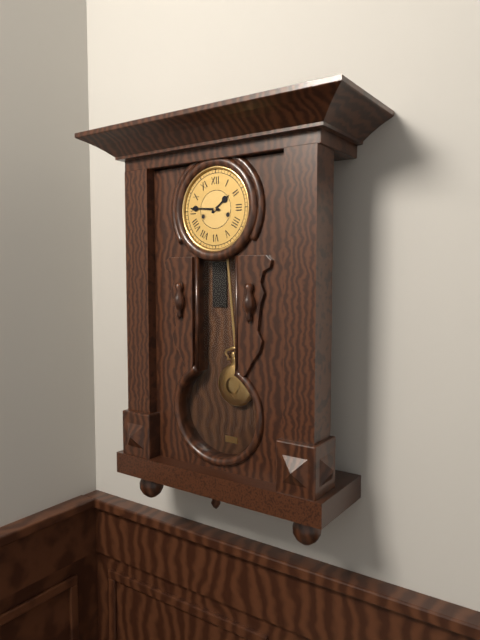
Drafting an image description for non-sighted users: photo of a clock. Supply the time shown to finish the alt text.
1:46
